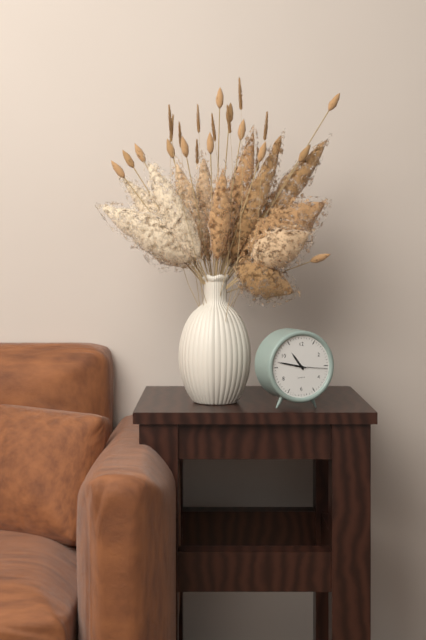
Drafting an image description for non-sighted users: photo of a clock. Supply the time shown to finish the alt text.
10:47
